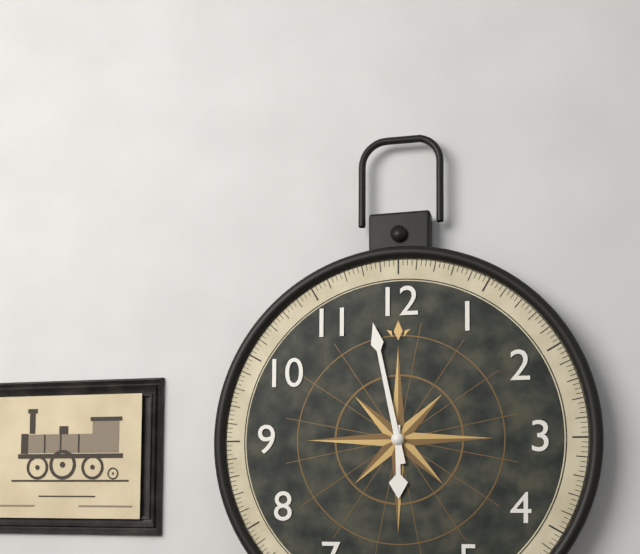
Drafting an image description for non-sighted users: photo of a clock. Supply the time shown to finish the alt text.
5:58
